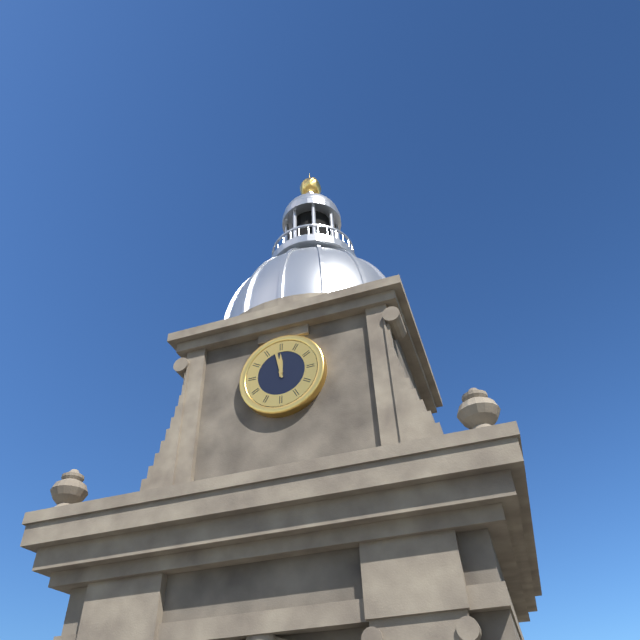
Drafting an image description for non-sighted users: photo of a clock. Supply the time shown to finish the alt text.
11:58
